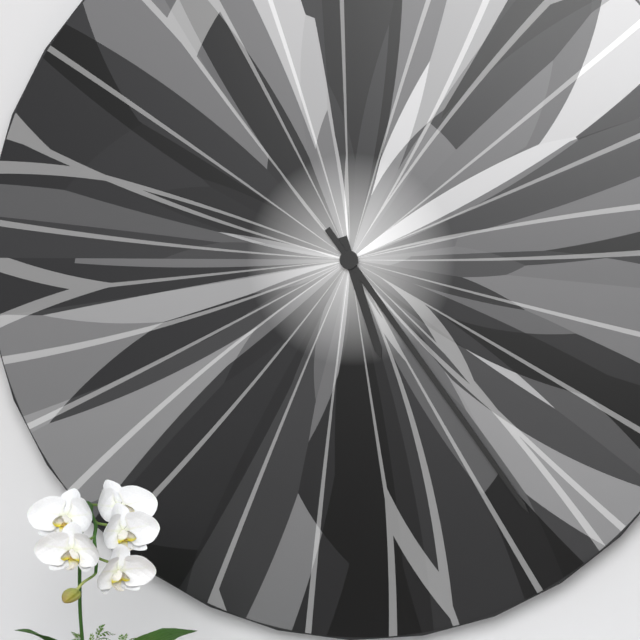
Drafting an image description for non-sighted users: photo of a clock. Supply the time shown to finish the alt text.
5:24
